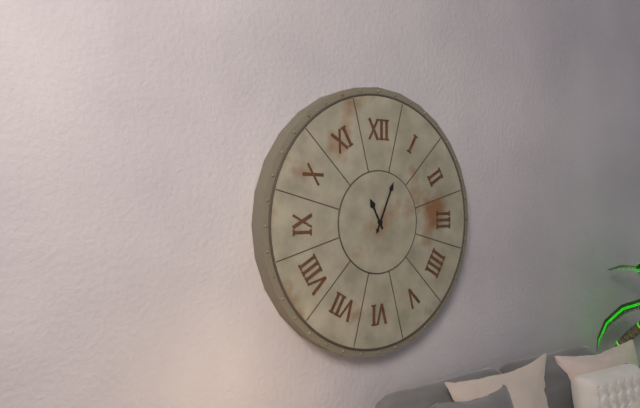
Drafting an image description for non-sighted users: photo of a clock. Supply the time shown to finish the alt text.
11:04
